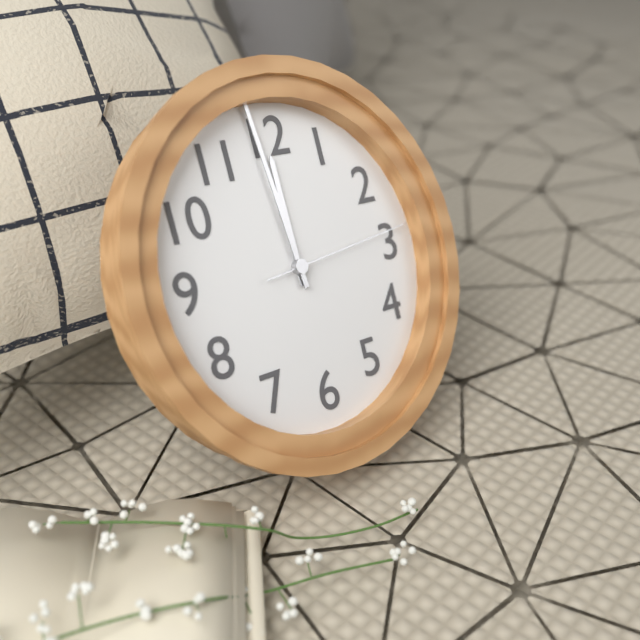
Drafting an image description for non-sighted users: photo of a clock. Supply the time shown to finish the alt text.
11:59:14
